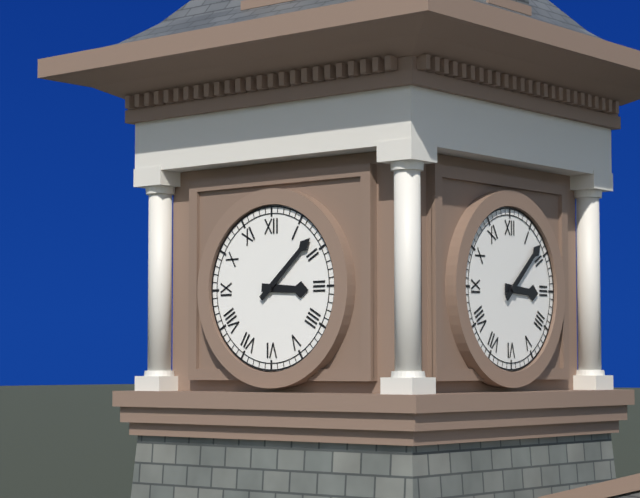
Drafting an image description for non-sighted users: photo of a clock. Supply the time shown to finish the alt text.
3:08
